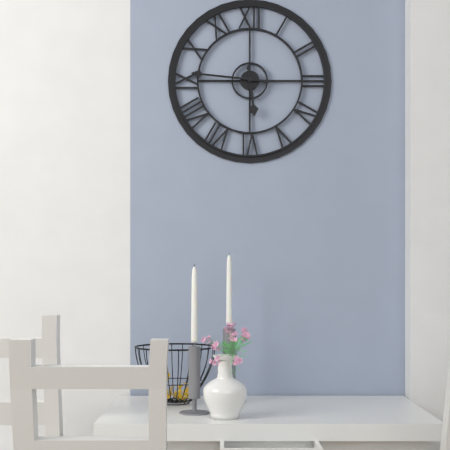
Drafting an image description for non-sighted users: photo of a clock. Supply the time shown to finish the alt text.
5:46
